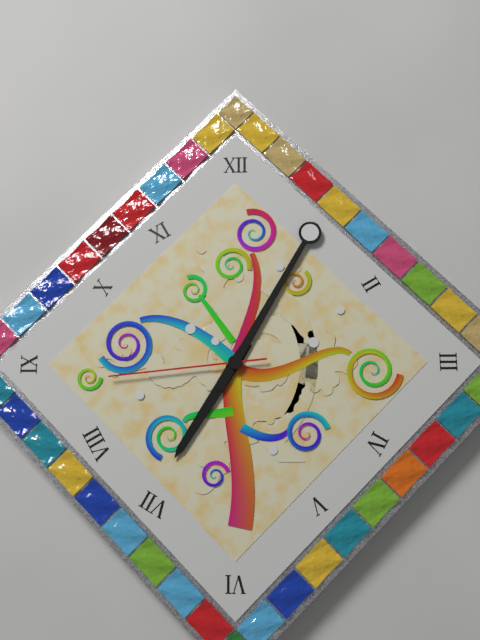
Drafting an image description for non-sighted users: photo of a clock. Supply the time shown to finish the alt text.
7:05:44
